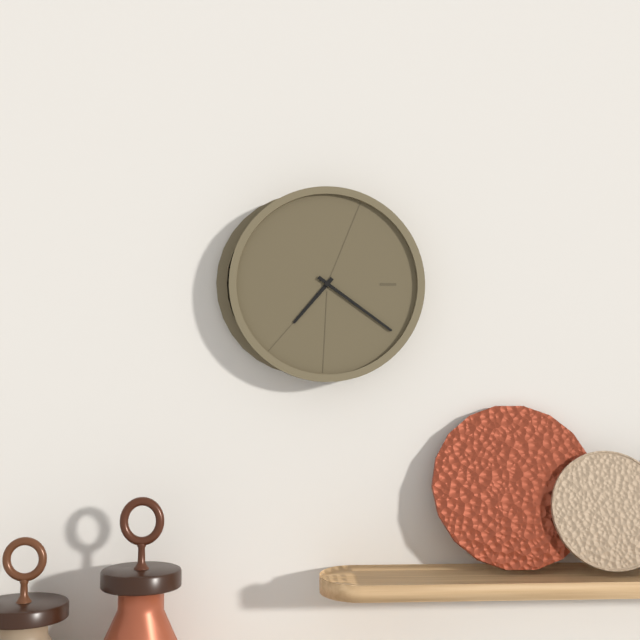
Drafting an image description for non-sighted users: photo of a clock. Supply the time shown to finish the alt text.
7:21
